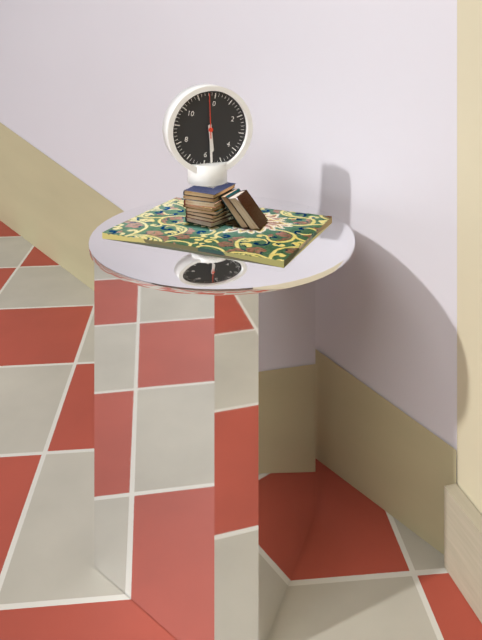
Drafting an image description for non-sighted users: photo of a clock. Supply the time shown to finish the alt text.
5:28
